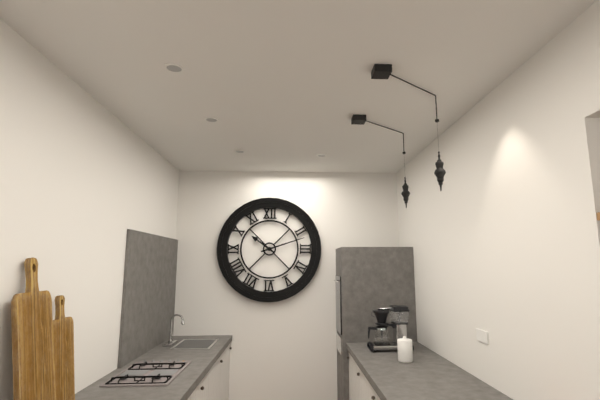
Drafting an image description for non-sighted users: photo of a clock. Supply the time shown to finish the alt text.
10:12
